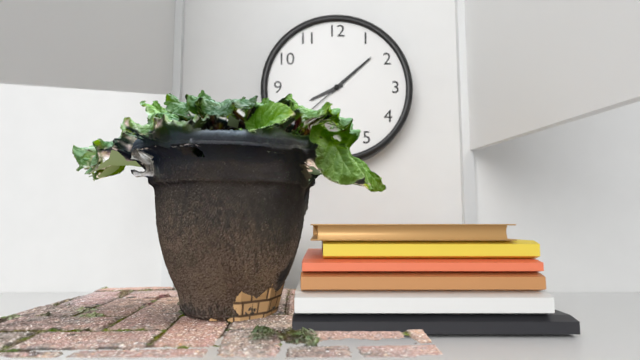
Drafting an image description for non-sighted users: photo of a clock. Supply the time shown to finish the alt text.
8:08
